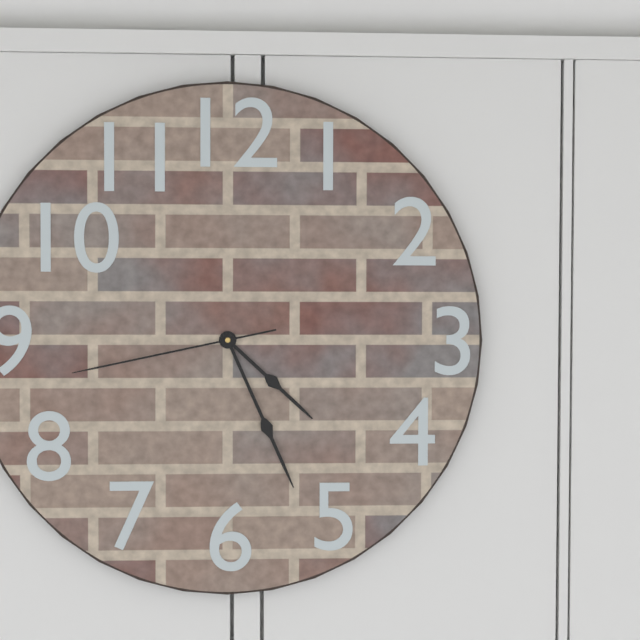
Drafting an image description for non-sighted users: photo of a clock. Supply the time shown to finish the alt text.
4:26:43
